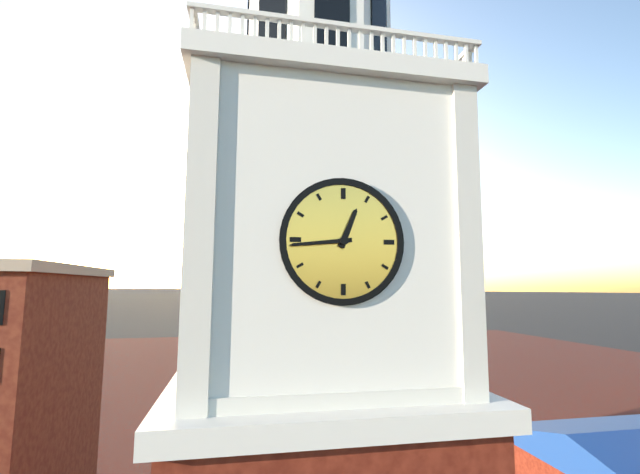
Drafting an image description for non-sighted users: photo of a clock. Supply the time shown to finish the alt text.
12:44
